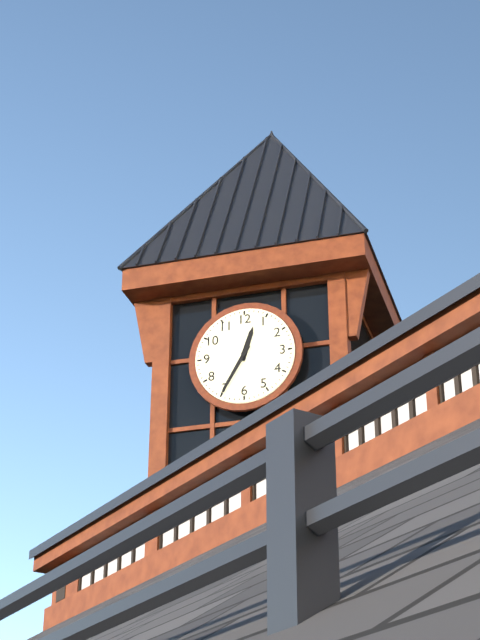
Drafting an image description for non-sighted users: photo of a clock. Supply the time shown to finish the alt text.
12:35
